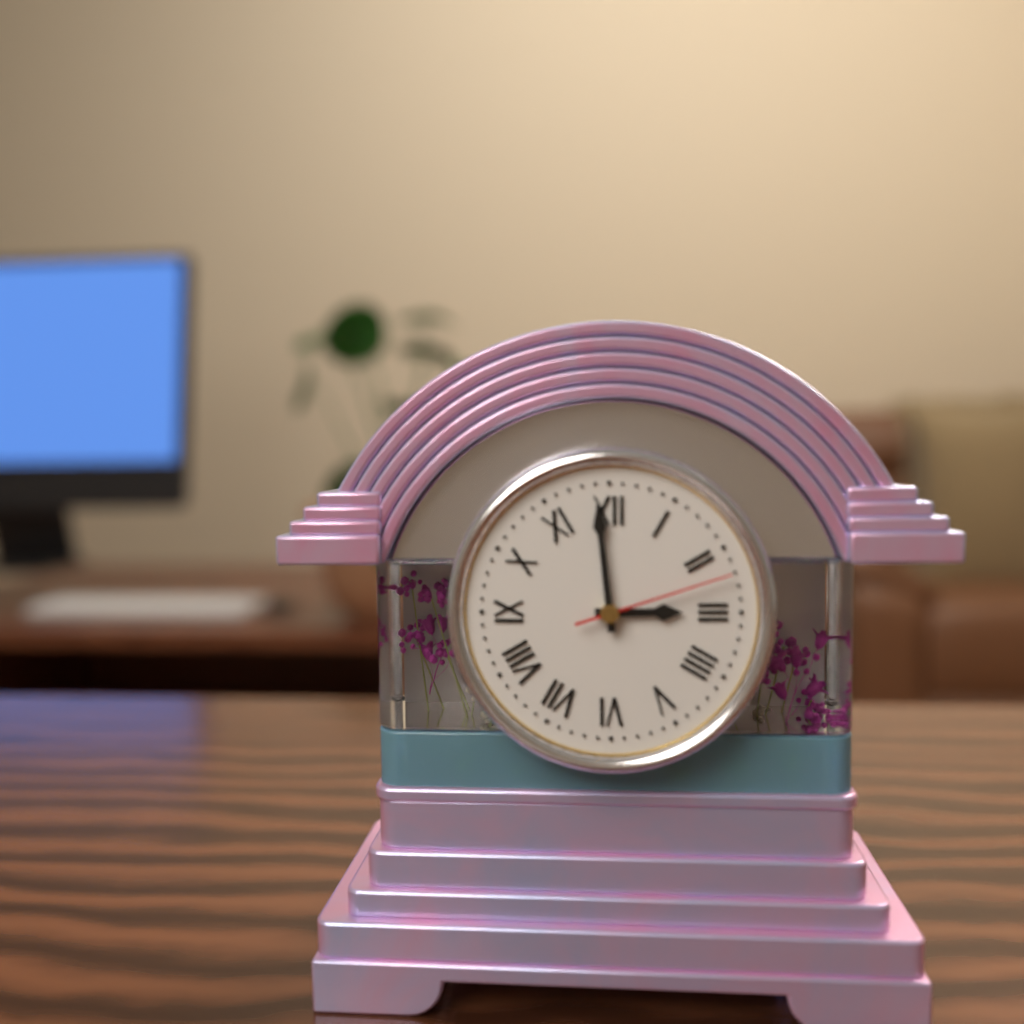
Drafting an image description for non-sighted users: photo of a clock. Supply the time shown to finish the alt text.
2:59:12
